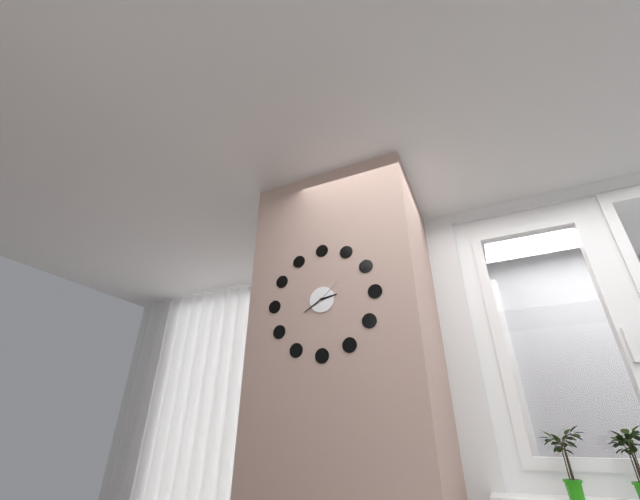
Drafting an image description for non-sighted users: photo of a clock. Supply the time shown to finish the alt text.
2:40
